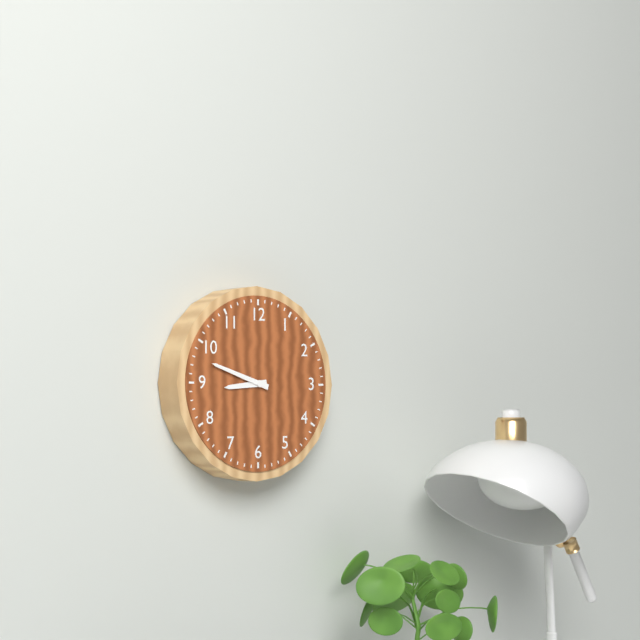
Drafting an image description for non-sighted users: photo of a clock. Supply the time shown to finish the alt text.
8:48
